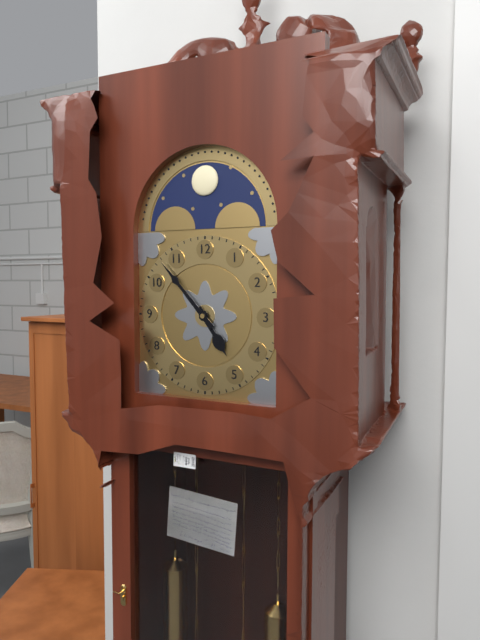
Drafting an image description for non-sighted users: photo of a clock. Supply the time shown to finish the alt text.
4:53
